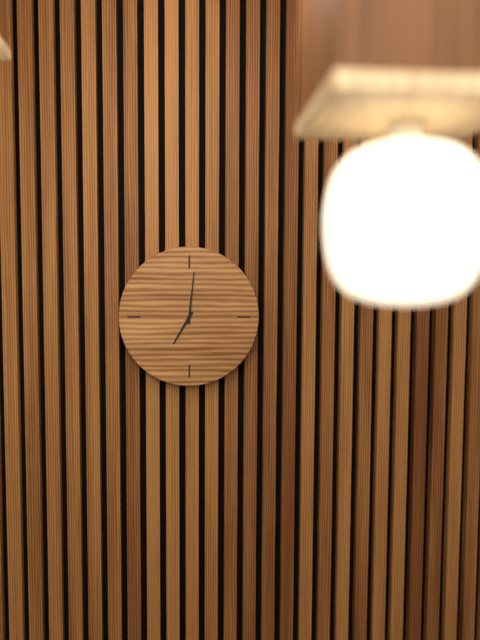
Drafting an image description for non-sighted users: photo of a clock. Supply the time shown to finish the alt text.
7:01
